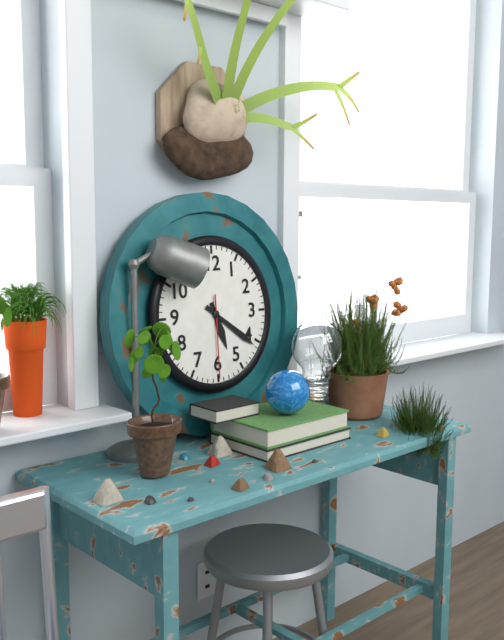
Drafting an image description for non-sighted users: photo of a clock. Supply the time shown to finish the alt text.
5:21:30
